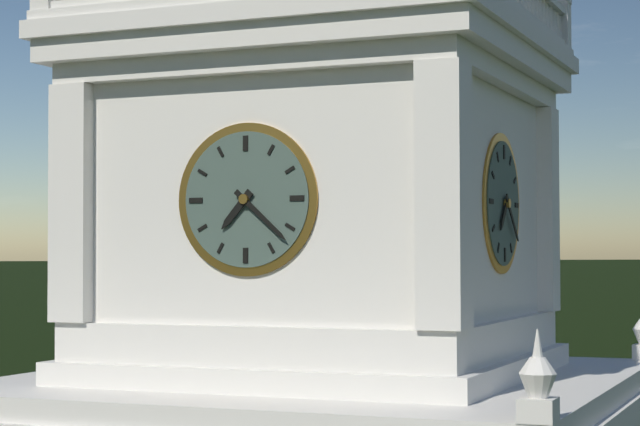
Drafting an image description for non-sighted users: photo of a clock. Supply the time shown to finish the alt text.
7:22
